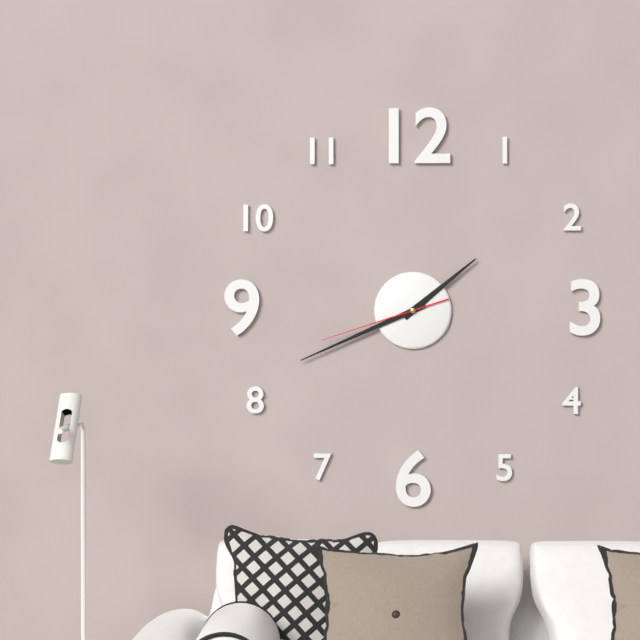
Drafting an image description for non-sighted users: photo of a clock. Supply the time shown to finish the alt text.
1:41:42
